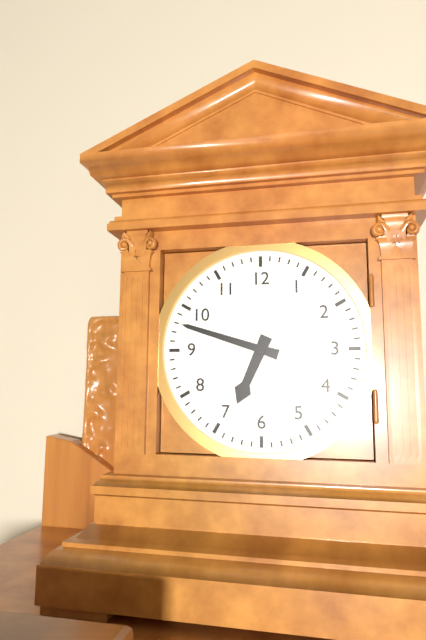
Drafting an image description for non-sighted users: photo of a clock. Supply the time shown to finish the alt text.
6:48
